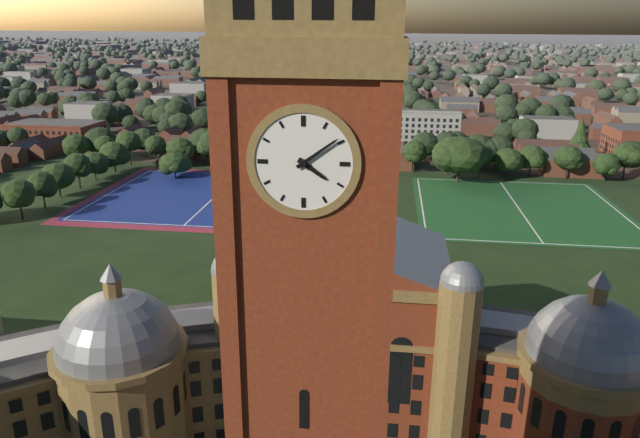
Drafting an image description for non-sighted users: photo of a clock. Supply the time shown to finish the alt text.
4:09
